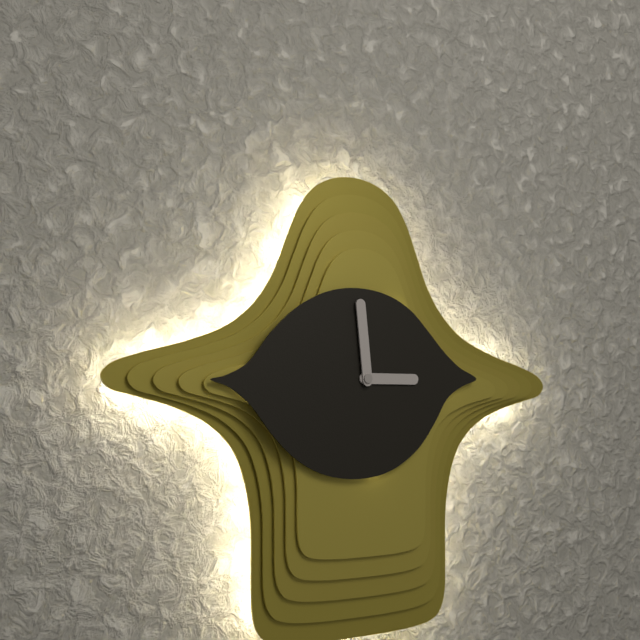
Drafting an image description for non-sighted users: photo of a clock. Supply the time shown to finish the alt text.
2:59
